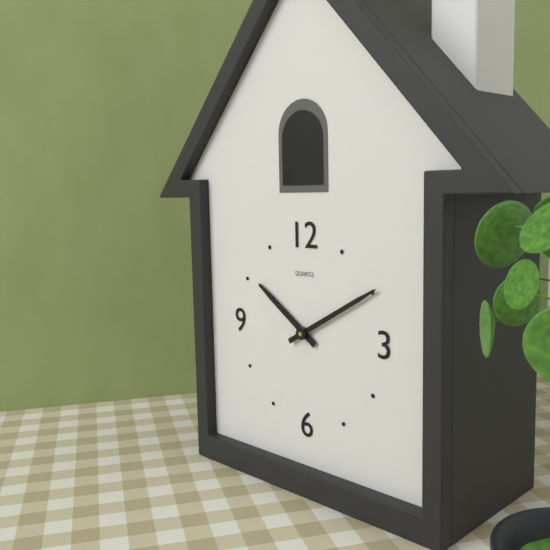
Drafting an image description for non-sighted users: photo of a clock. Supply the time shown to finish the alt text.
10:10
